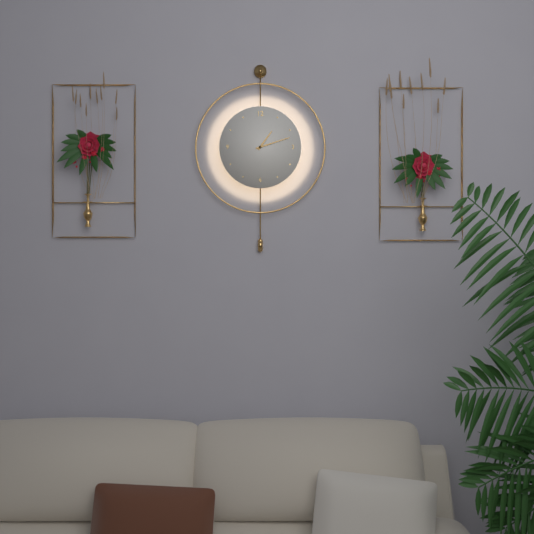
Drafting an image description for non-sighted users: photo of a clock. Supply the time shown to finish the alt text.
1:12
